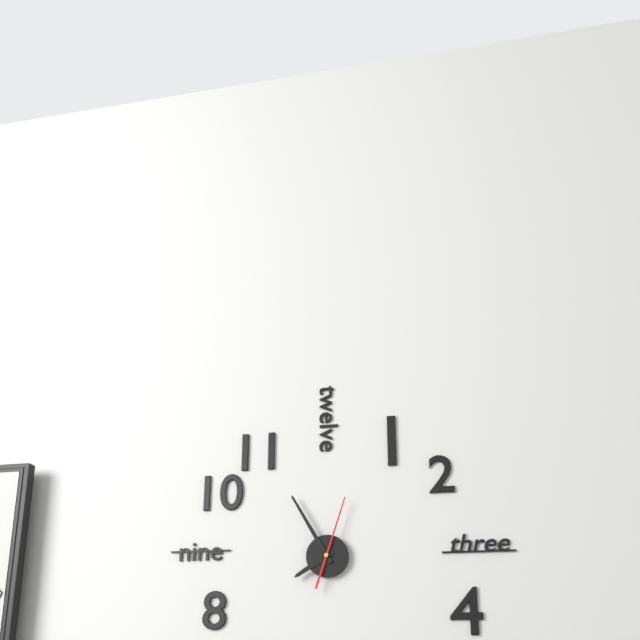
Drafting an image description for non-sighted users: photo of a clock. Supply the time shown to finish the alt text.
7:55:03
